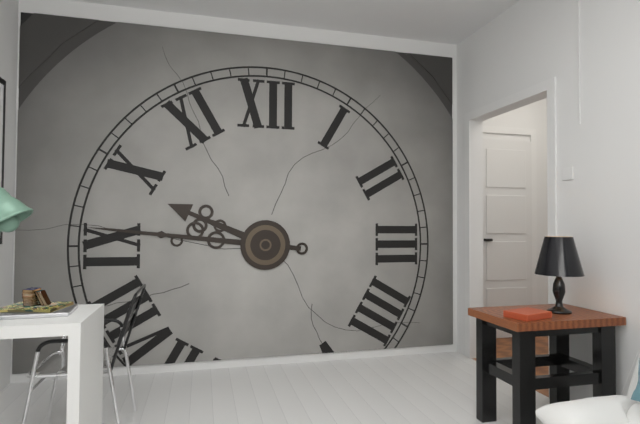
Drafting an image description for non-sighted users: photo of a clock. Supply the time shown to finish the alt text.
9:46
